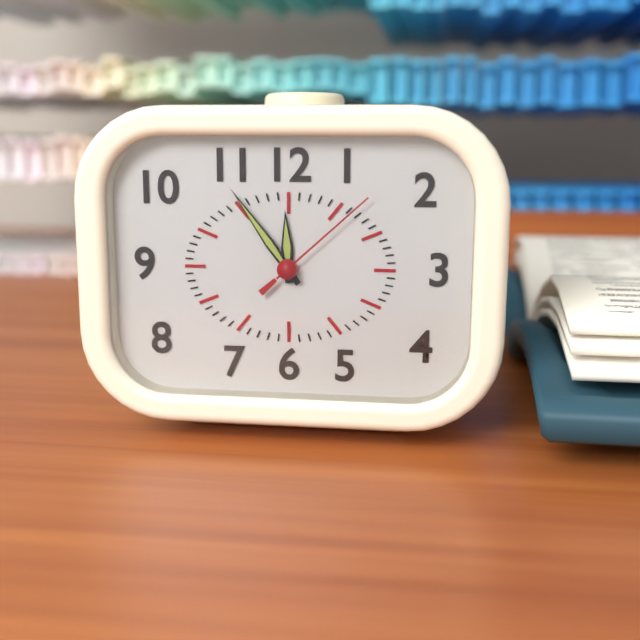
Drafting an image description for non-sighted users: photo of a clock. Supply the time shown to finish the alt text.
11:54:08
